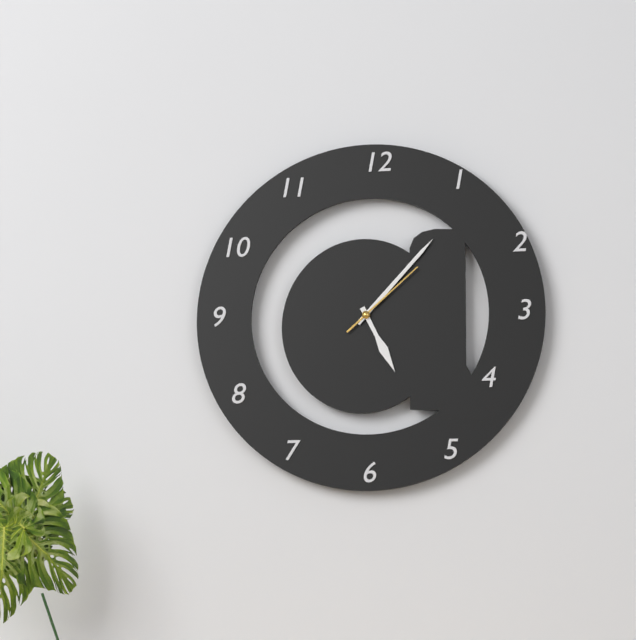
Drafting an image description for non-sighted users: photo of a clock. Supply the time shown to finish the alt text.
5:07:08
